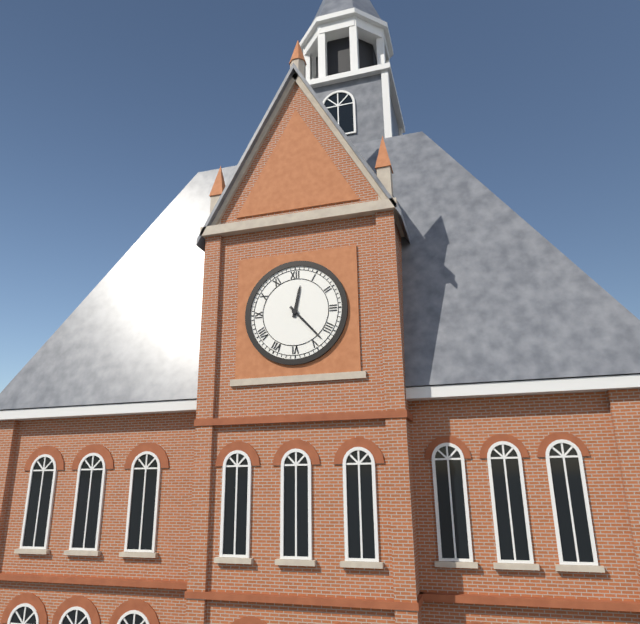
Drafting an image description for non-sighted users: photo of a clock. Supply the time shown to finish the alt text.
12:23
